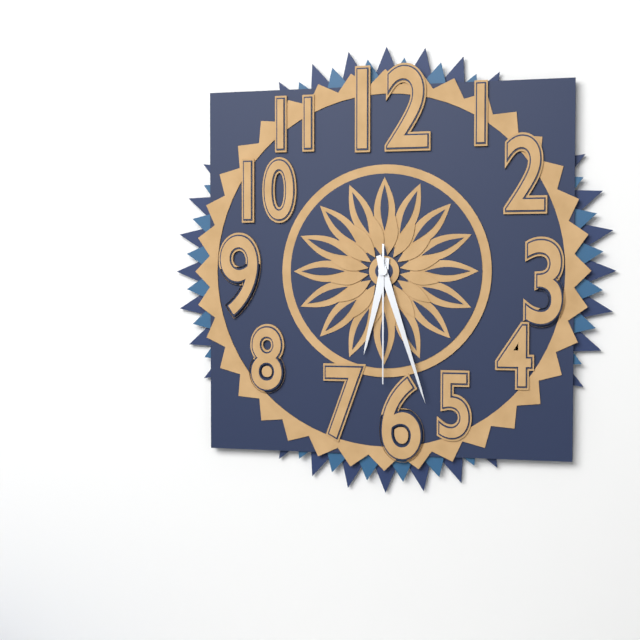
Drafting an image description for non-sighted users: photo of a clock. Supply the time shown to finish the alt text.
6:27:30
